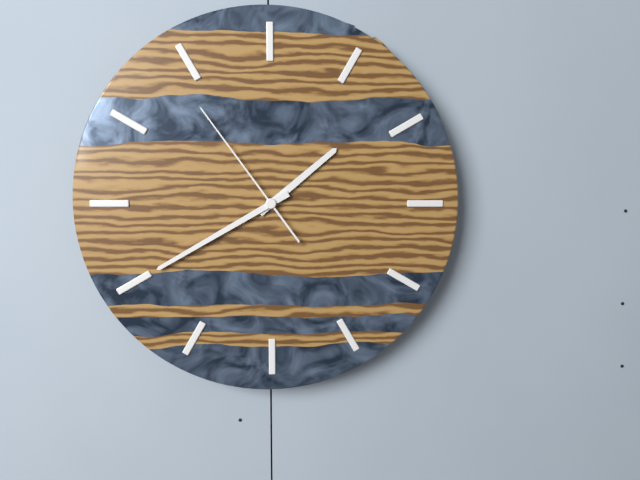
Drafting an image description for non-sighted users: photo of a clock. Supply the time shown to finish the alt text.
1:40:54
